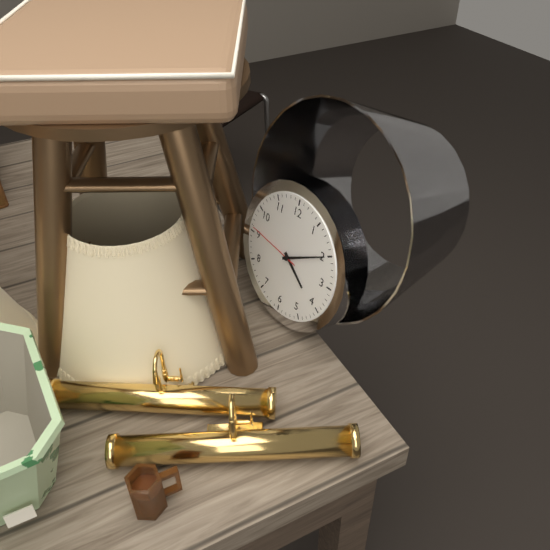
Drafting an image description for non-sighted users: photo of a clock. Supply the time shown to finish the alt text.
4:10:46
